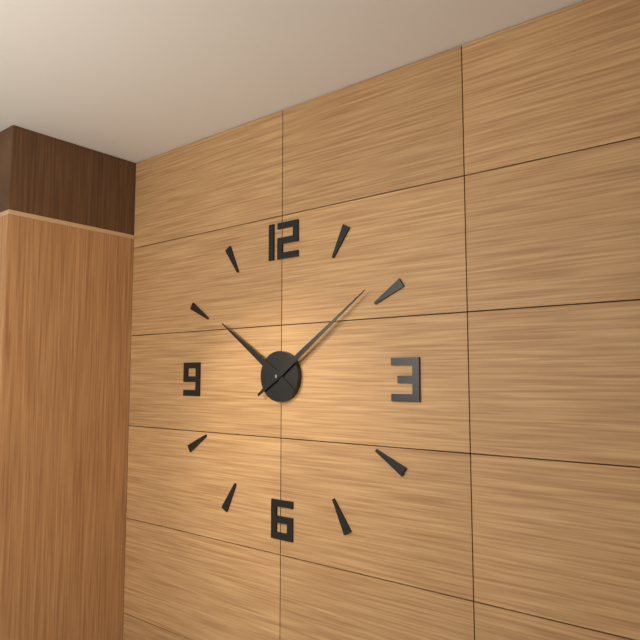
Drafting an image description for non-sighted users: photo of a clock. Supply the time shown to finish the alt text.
10:09
